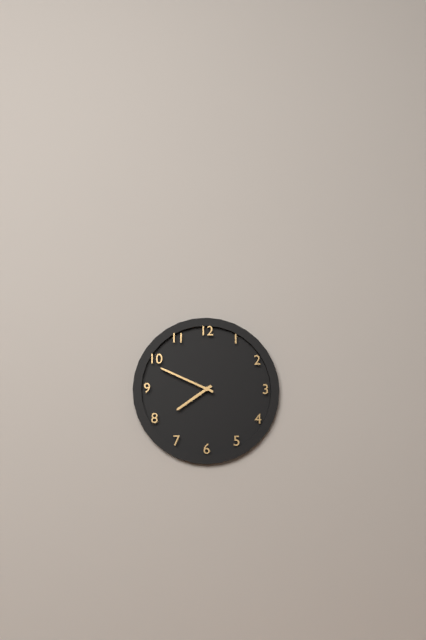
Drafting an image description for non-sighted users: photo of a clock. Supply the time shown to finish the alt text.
7:49
